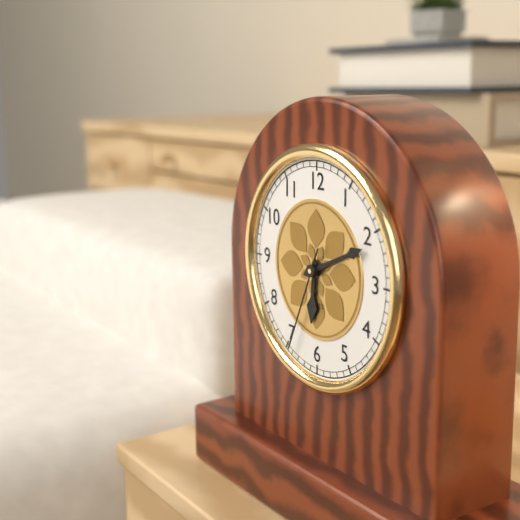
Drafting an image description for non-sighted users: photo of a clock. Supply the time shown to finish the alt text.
6:11:34
